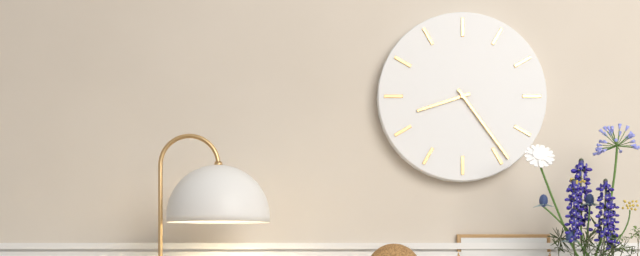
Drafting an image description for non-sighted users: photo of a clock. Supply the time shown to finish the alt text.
8:24
